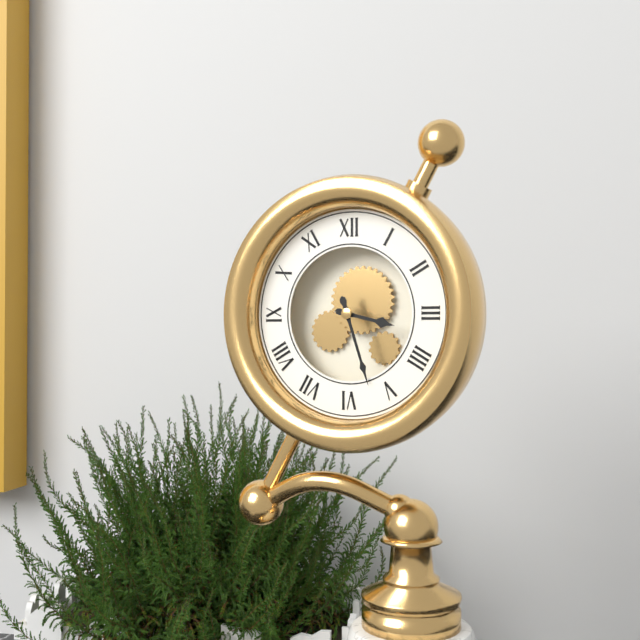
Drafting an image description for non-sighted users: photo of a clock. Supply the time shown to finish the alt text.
3:27
